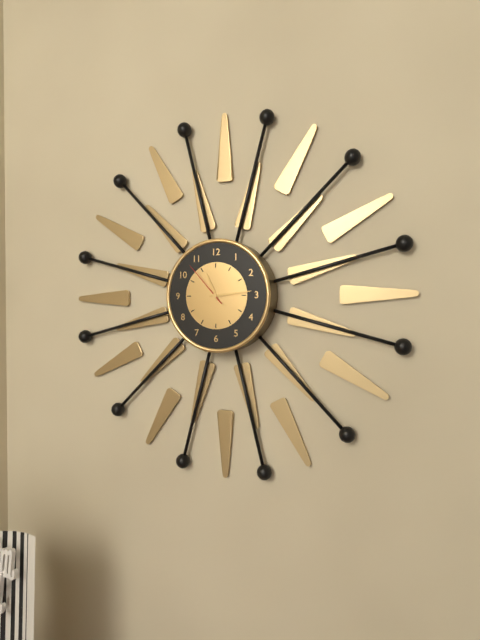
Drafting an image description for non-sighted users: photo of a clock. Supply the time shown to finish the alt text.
11:14
